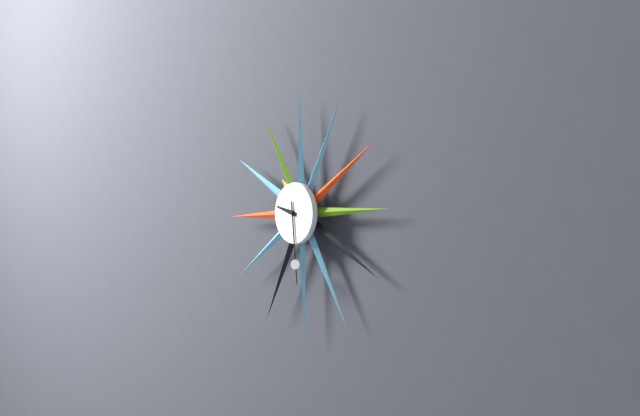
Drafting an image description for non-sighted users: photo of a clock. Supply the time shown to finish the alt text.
9:29
